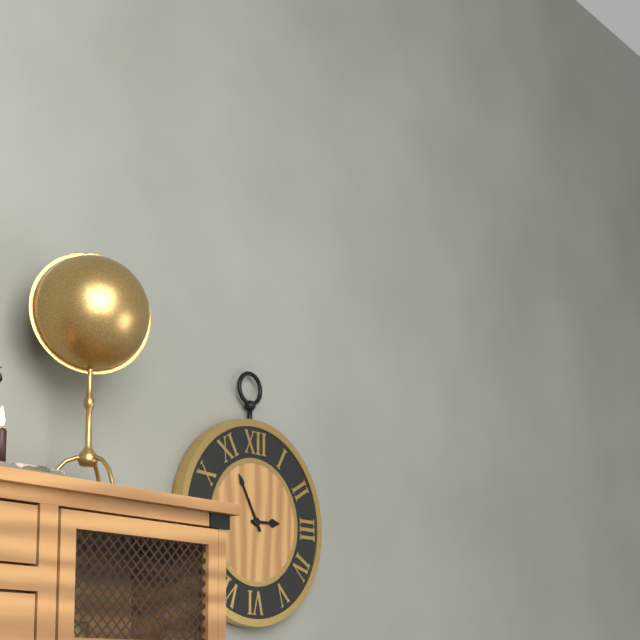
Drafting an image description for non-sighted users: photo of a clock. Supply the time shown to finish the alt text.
2:55
